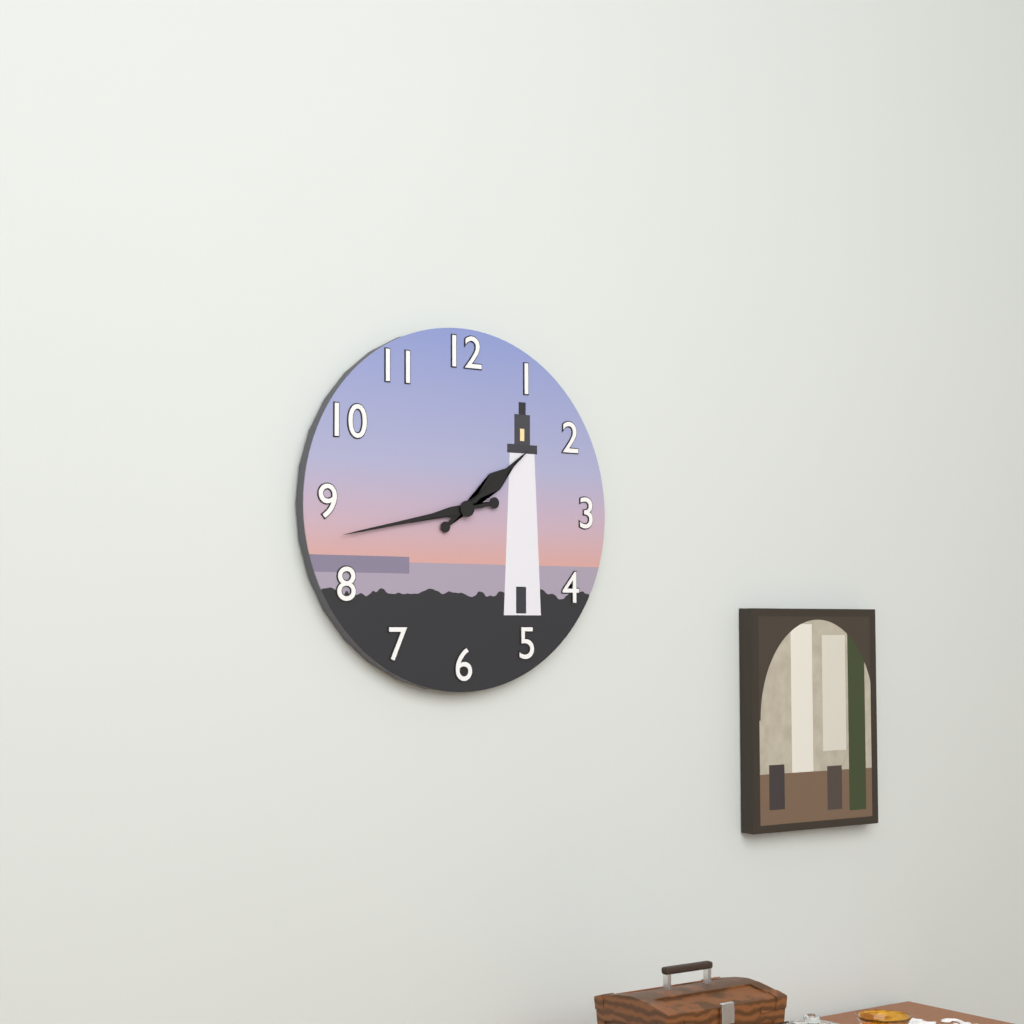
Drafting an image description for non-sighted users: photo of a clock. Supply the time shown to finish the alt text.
1:43
